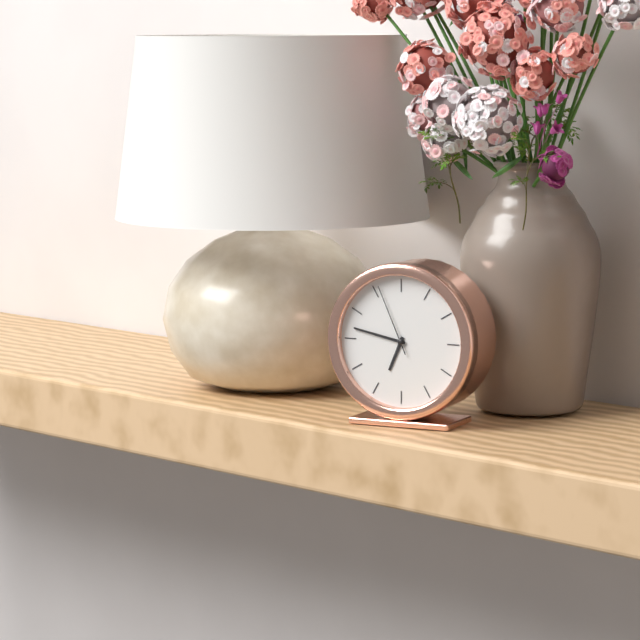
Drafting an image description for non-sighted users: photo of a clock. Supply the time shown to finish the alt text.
6:47:56
